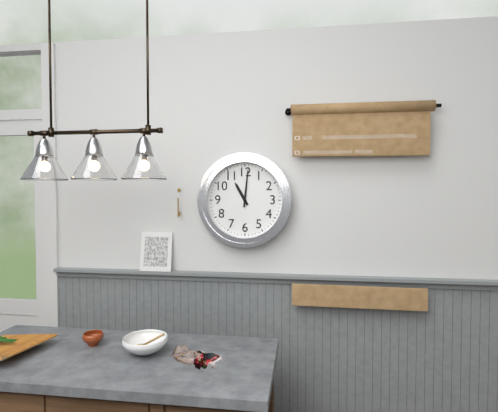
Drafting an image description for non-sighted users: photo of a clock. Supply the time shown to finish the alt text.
11:01
